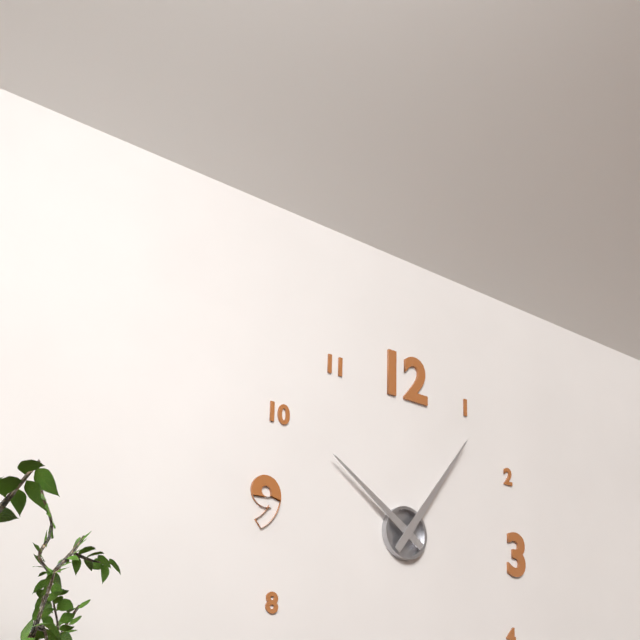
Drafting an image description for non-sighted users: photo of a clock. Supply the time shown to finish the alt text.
10:06
